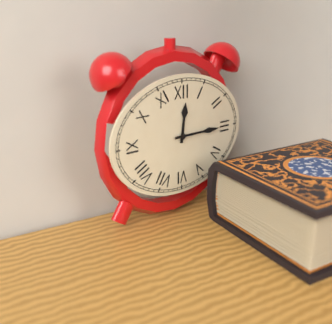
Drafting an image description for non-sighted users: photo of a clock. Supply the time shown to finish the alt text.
12:15
